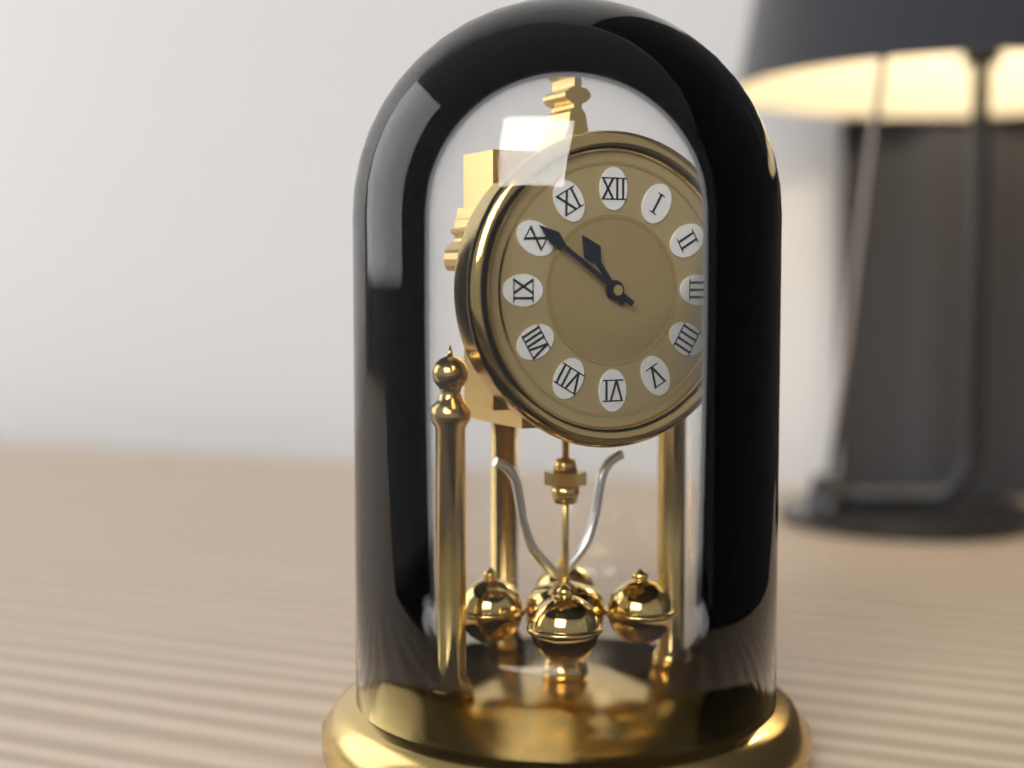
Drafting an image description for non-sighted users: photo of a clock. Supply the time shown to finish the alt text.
10:51
